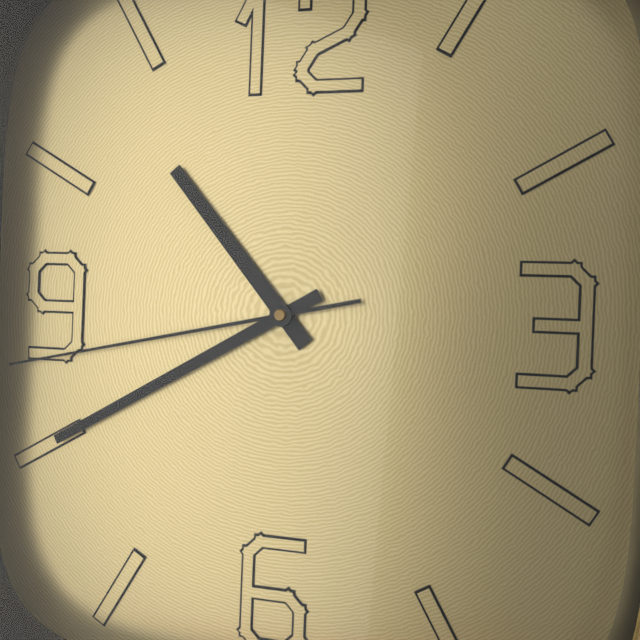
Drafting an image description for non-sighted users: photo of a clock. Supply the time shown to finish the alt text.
10:40:43
